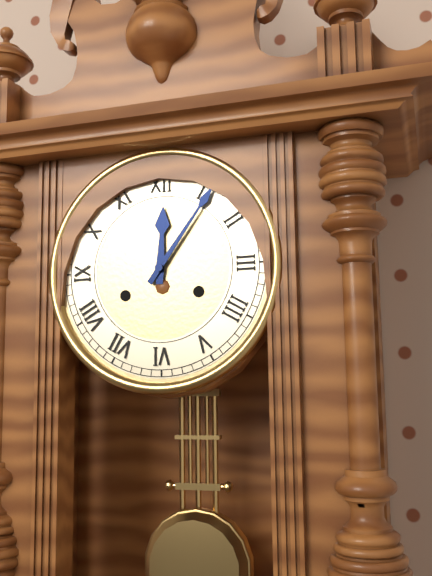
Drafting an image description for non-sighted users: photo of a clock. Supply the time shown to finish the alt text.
12:06
